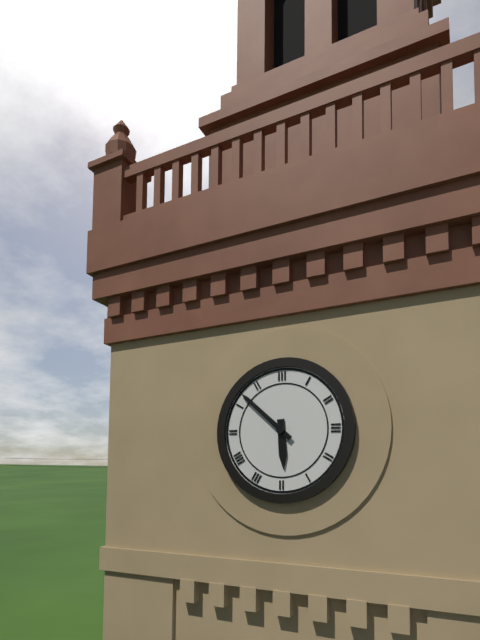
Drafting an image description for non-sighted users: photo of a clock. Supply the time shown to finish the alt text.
5:52
